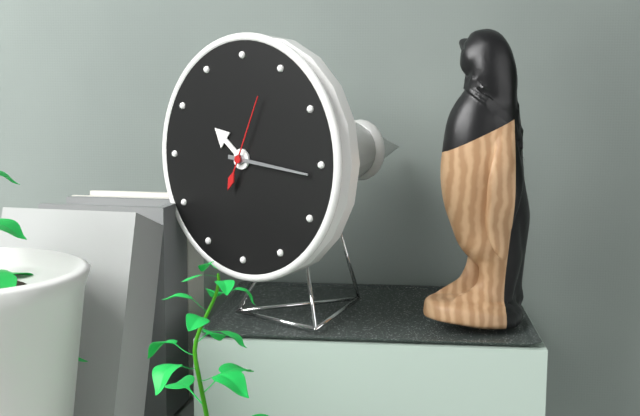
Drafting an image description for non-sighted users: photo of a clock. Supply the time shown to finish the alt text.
10:16:04
